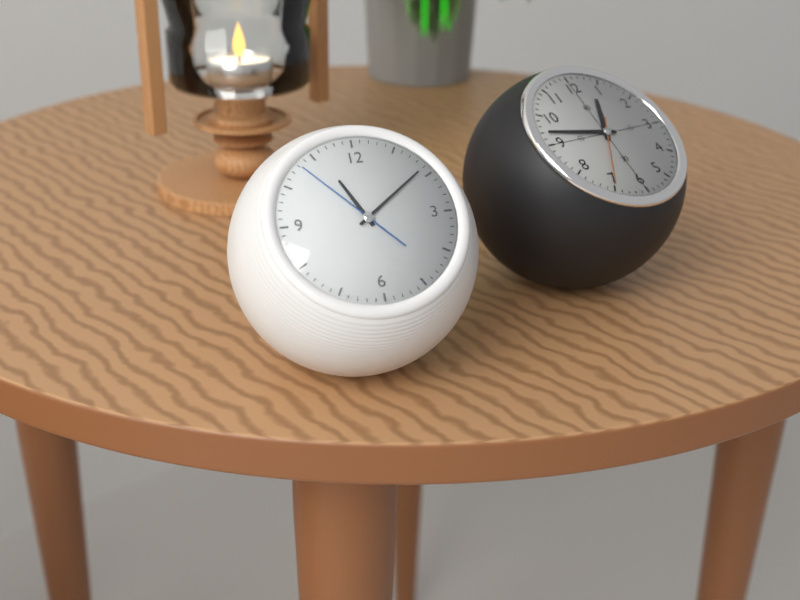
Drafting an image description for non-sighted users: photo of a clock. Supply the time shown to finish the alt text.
11:09:53
